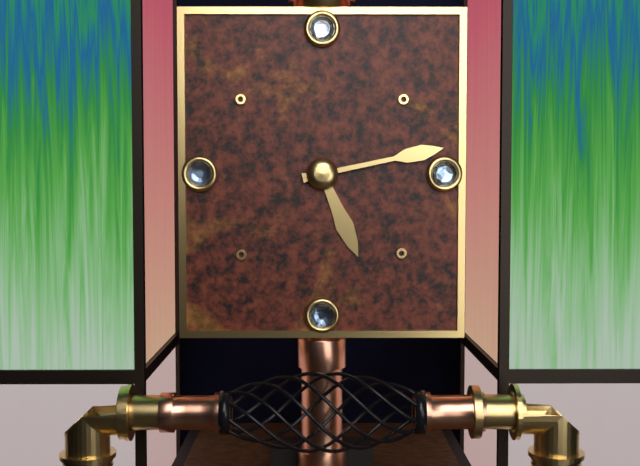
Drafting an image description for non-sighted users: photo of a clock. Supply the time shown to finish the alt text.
5:13
